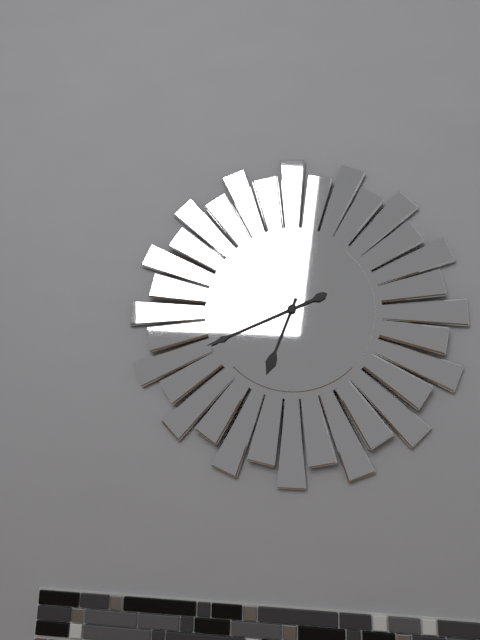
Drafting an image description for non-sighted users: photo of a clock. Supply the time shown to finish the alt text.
6:41
